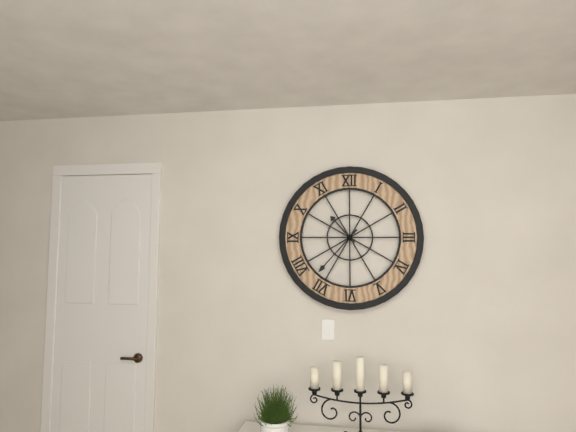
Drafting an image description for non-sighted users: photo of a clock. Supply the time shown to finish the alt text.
10:37
